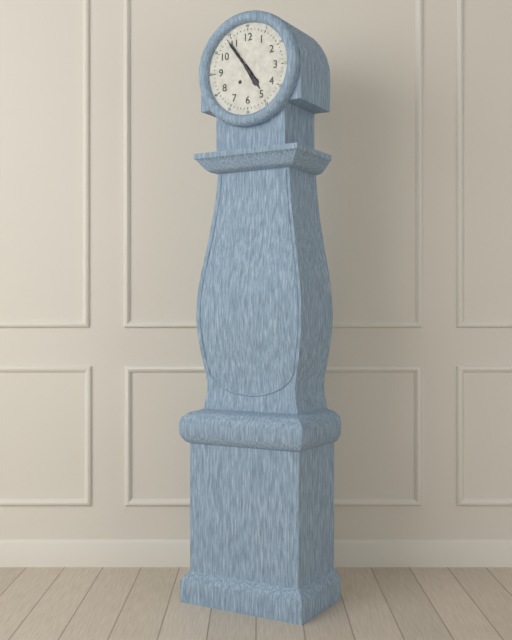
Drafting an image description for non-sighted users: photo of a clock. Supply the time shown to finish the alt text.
4:54
